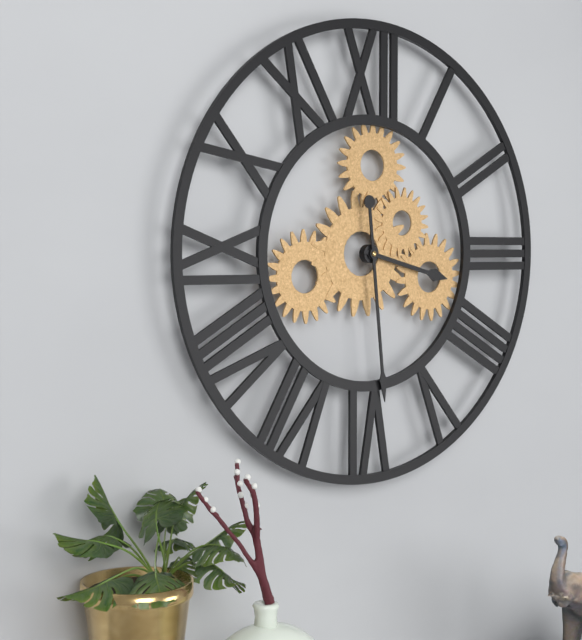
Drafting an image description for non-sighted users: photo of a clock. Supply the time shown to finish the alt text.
3:29
